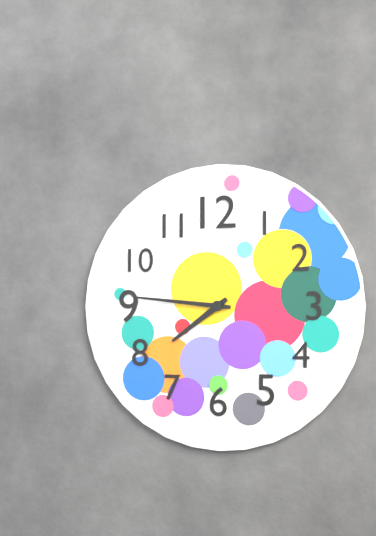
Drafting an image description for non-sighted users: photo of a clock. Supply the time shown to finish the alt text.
7:46
